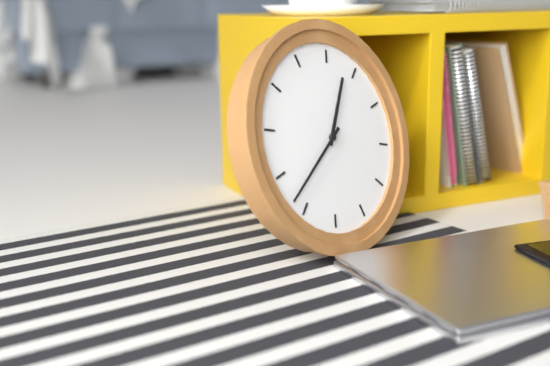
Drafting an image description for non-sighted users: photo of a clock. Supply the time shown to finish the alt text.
12:37
